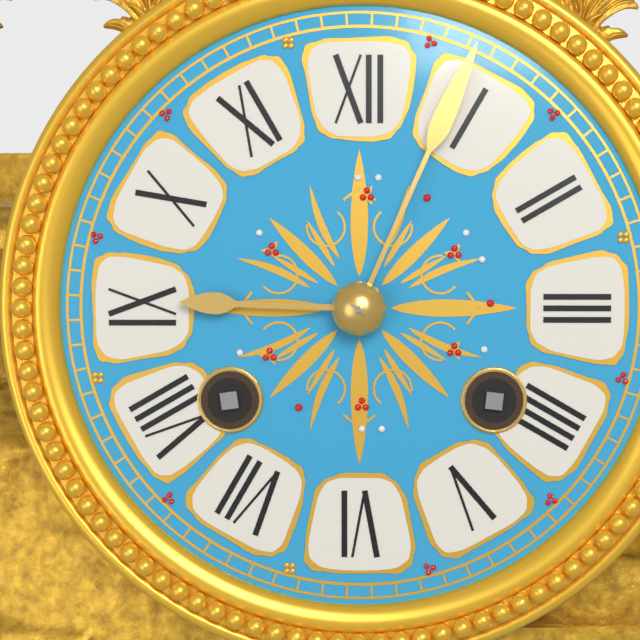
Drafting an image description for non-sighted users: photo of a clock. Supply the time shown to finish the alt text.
9:04
